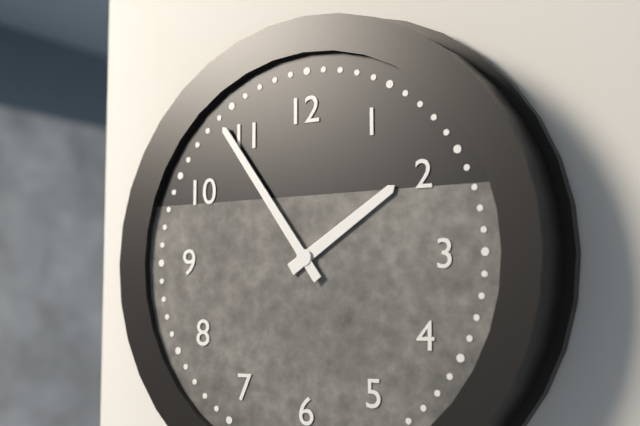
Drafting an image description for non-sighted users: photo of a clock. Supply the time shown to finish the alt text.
1:54
